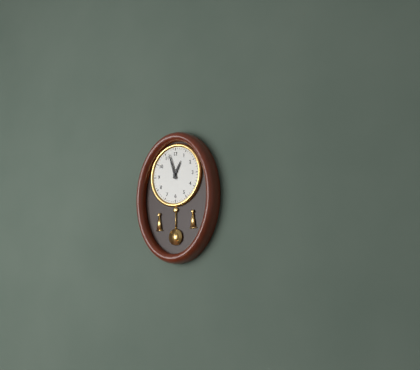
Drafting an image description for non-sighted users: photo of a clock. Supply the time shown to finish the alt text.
12:57
